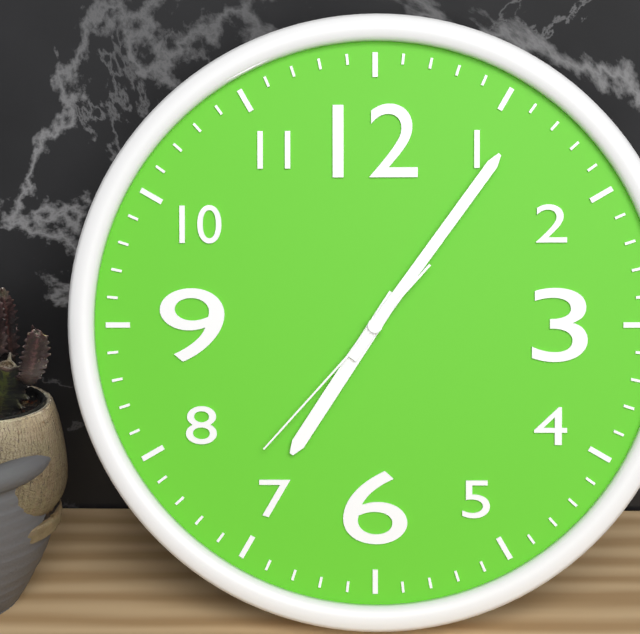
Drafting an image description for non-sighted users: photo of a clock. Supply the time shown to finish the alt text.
7:06:37
